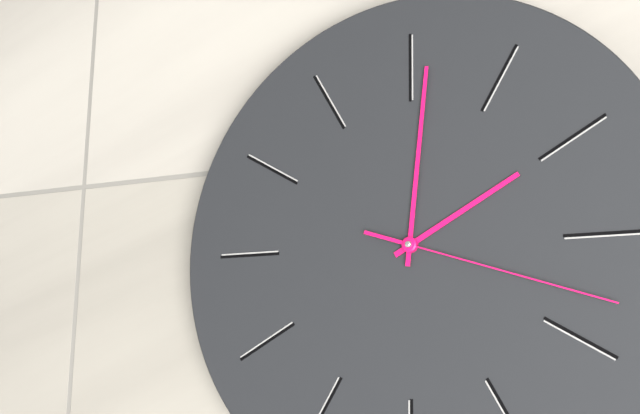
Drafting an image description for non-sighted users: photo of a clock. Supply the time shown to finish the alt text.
2:01:18
